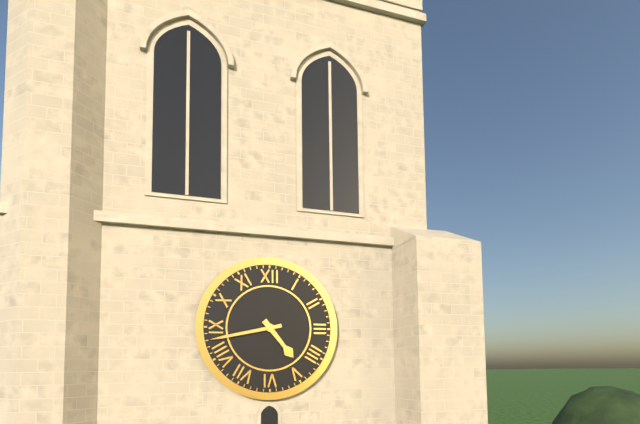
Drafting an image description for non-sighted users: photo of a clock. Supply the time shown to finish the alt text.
4:43
